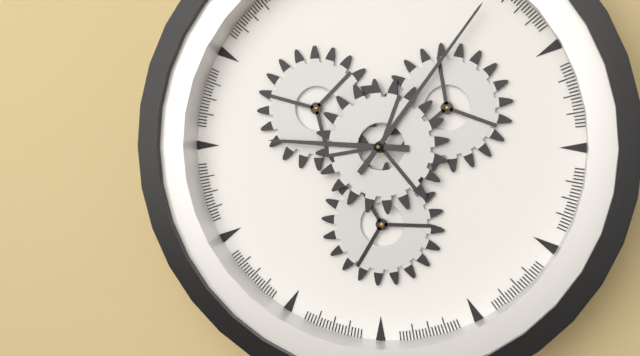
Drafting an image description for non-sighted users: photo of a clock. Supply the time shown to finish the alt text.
9:06
